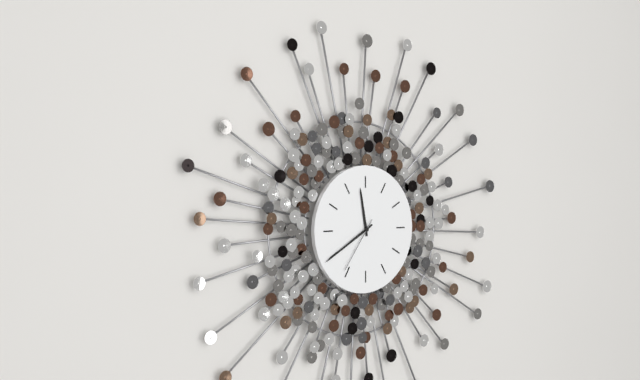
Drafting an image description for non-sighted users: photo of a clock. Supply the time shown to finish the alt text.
11:40:36
